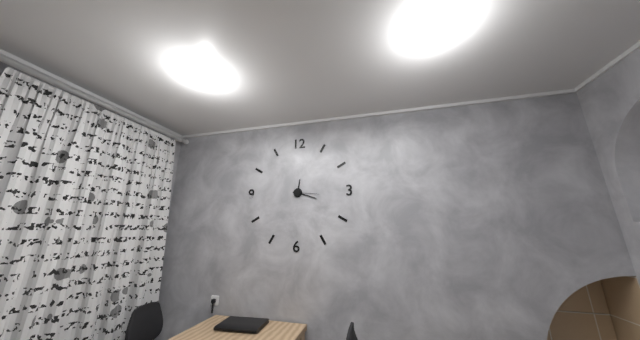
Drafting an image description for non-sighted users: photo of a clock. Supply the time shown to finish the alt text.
12:18
